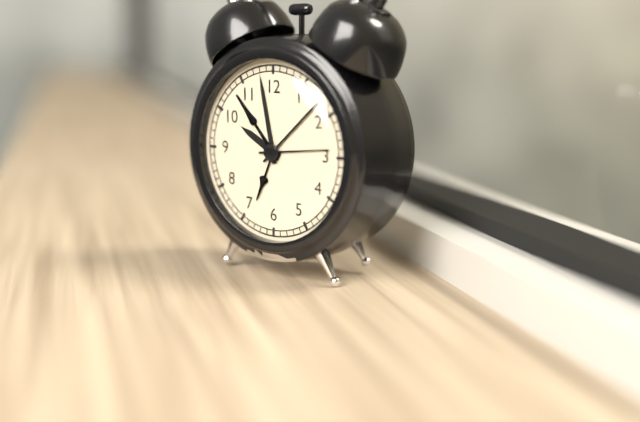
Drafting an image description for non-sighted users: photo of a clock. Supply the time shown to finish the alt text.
9:58:14
